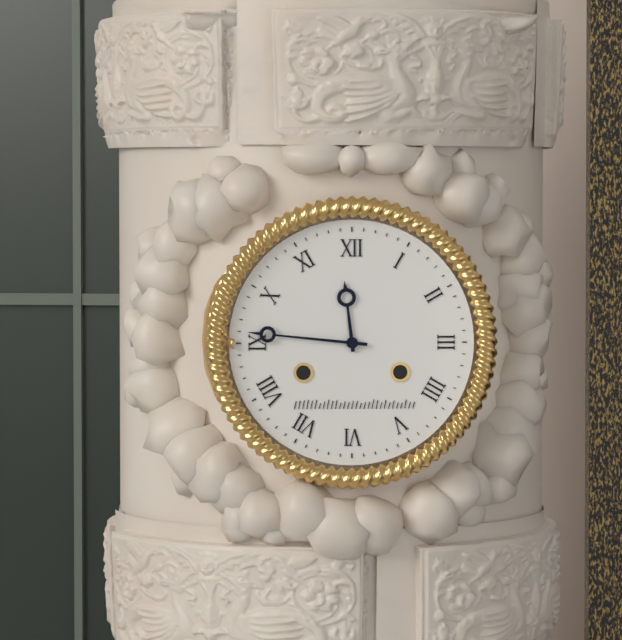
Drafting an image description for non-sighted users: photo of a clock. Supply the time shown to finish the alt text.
11:46
